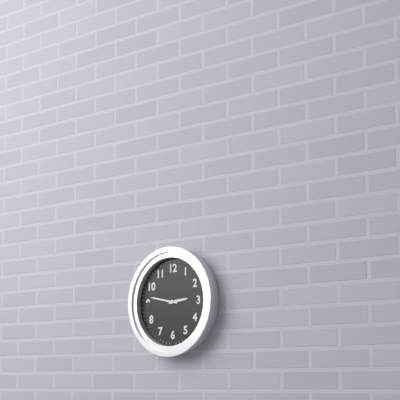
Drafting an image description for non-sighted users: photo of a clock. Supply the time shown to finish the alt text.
2:47
